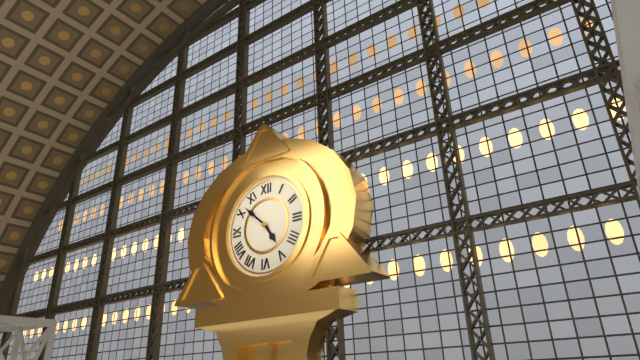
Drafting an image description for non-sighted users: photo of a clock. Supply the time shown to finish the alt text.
4:52
